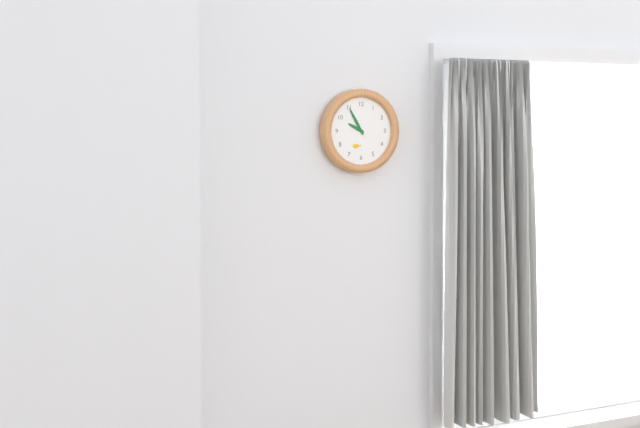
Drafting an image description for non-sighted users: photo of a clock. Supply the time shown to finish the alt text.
9:55
